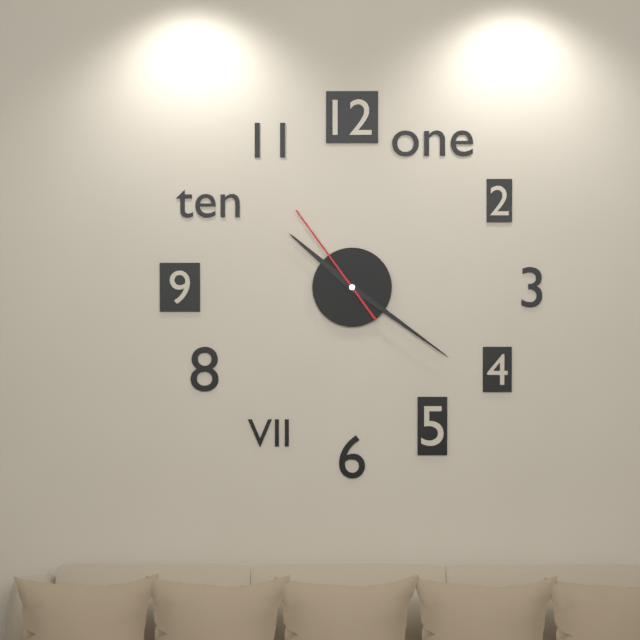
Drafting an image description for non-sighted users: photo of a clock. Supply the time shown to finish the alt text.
10:21:54
